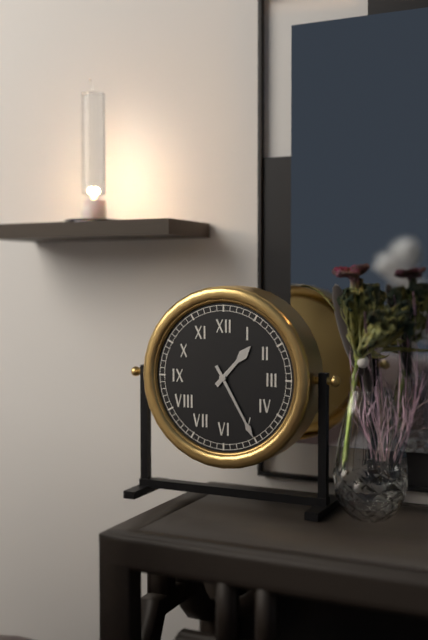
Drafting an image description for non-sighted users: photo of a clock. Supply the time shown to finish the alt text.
1:25
